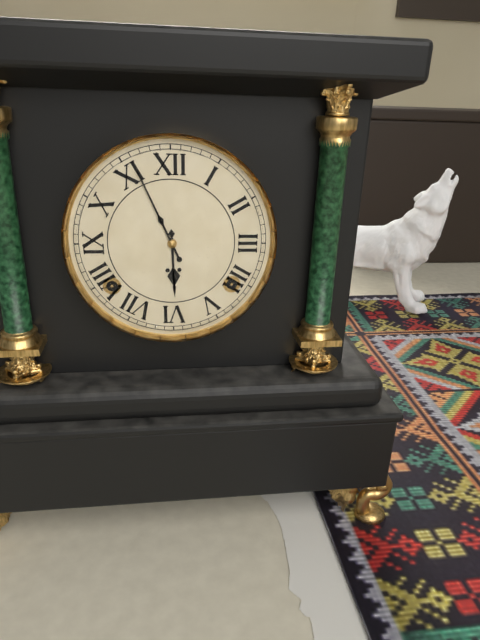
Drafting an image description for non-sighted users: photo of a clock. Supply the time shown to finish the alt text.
5:56
